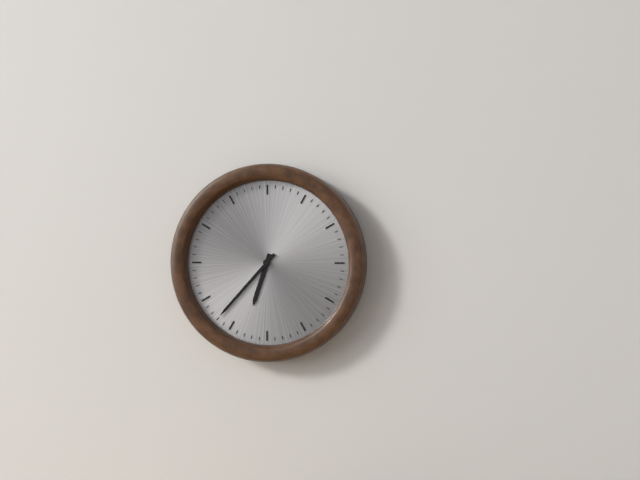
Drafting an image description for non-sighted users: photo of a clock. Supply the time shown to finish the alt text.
6:37
